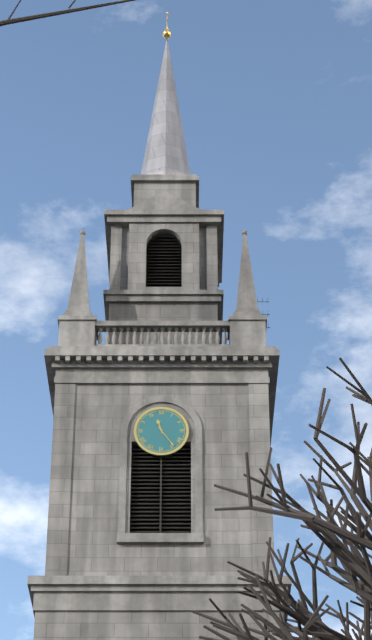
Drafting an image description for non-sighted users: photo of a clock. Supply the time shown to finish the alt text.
11:24
